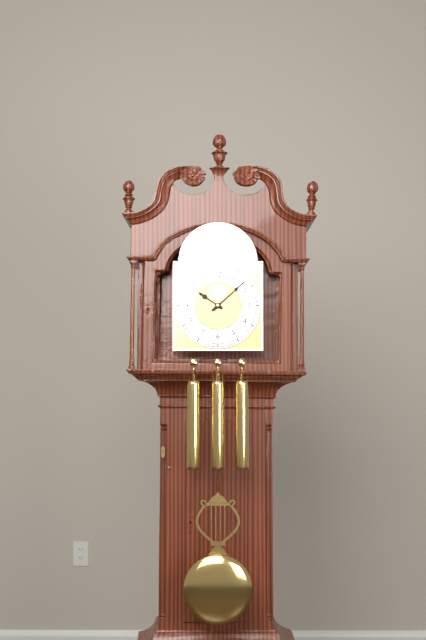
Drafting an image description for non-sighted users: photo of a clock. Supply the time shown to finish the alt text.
10:08
